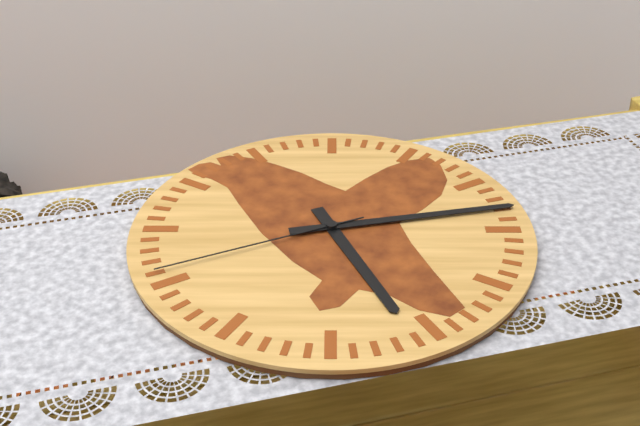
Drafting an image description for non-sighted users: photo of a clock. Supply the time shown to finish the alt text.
5:13:41
